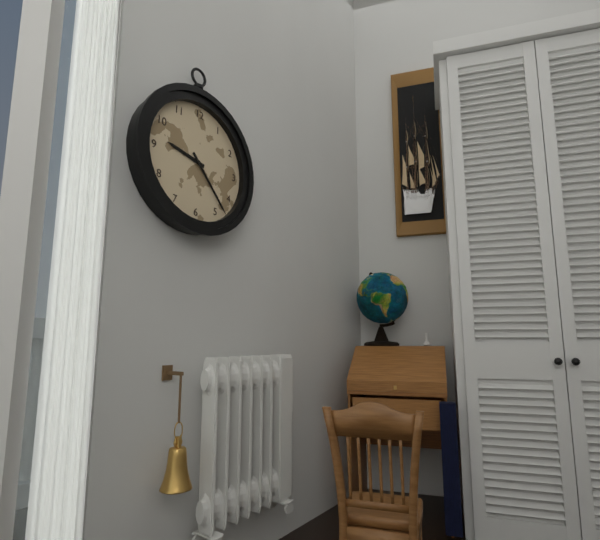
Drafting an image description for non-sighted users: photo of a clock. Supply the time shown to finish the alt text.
9:23
